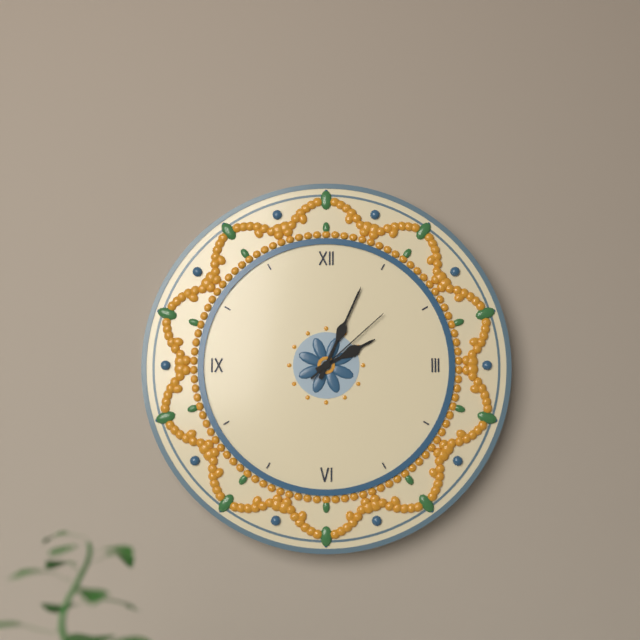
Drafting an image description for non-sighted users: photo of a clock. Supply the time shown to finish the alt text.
2:04:08
